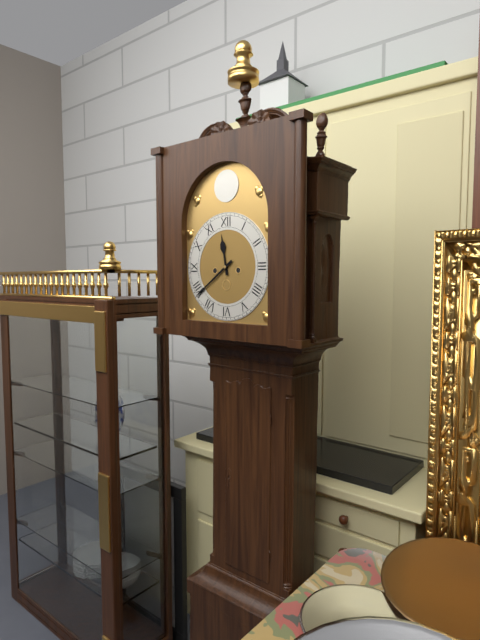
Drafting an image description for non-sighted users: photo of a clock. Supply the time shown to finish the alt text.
11:39
